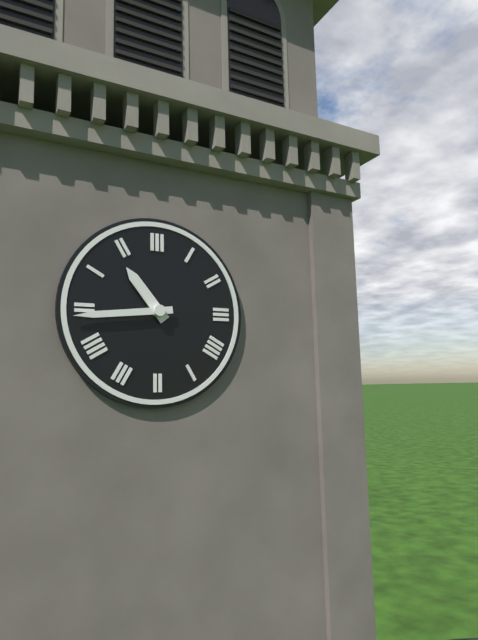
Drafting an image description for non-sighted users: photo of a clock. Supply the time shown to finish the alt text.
10:44
